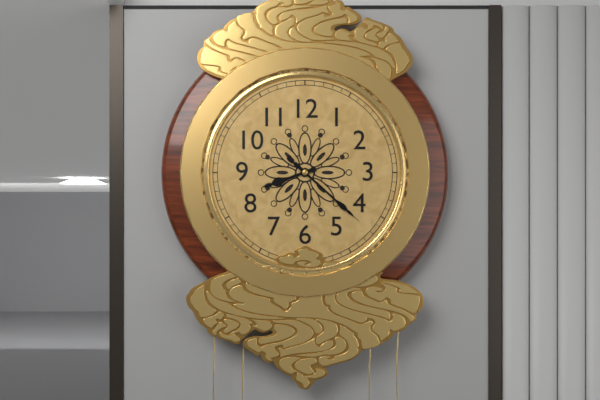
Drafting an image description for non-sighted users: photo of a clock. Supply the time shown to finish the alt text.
8:22:22
